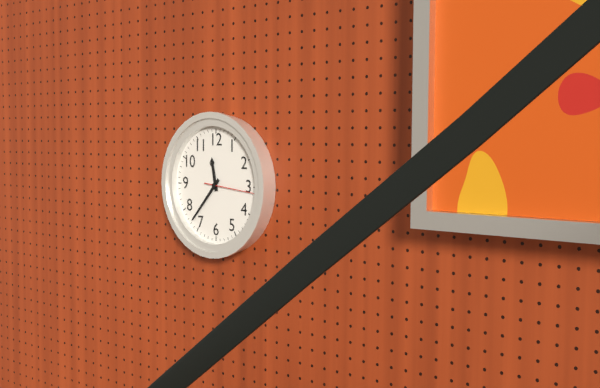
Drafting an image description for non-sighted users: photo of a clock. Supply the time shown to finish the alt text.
11:37:16
